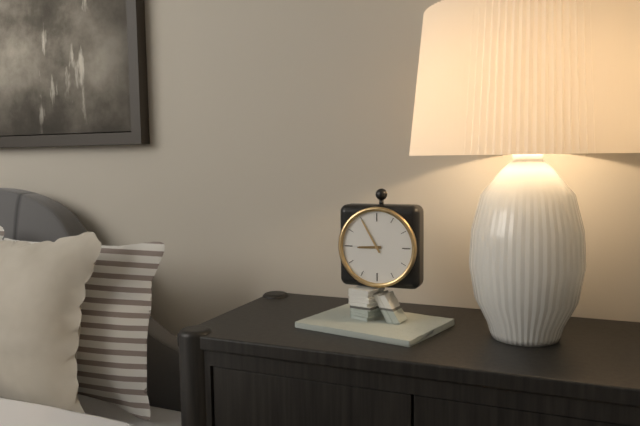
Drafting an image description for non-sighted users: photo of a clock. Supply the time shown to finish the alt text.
8:55
